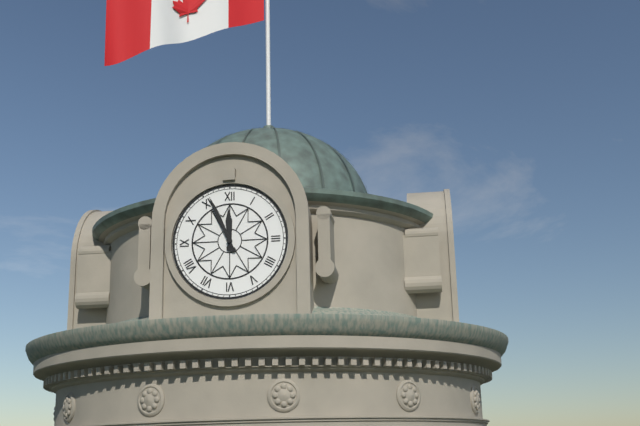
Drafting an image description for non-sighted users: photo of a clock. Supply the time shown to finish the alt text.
11:56
